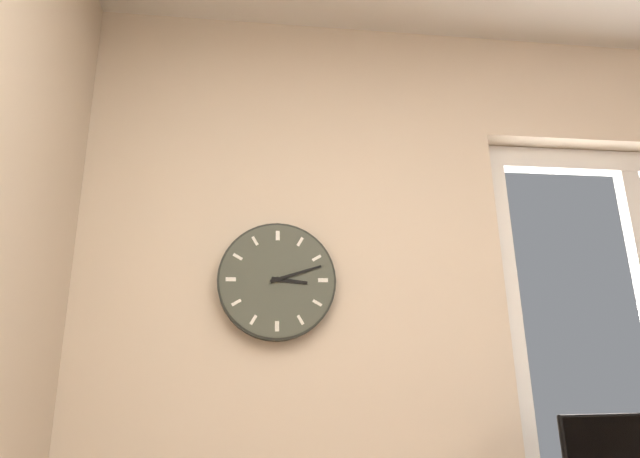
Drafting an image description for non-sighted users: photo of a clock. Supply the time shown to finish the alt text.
3:12
